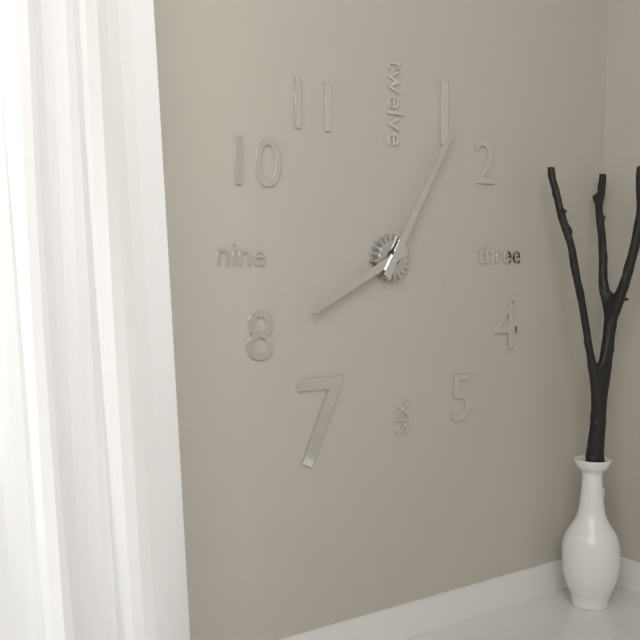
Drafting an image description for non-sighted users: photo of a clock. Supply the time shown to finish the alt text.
8:05
